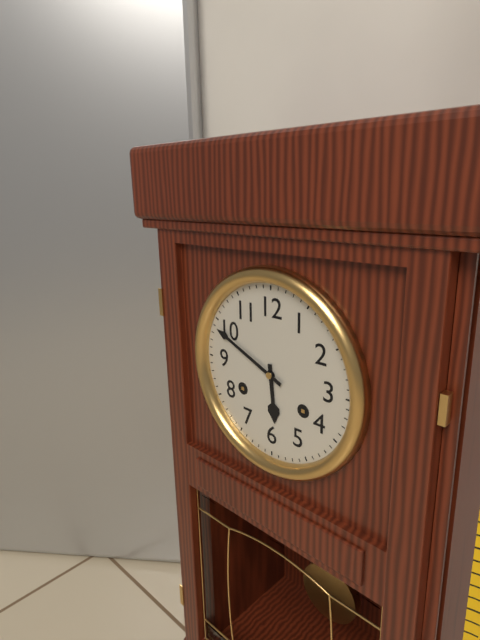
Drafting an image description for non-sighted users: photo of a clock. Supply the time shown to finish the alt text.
5:49
